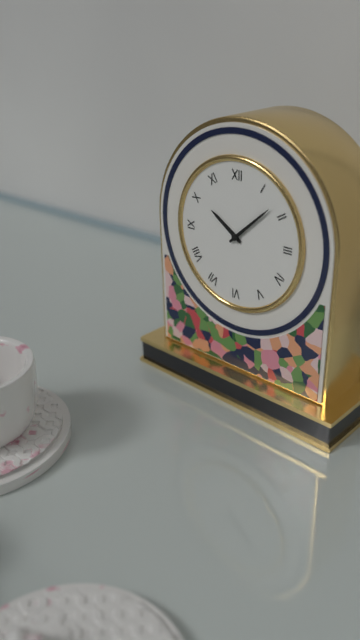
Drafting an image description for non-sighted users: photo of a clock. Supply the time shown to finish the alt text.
10:08
